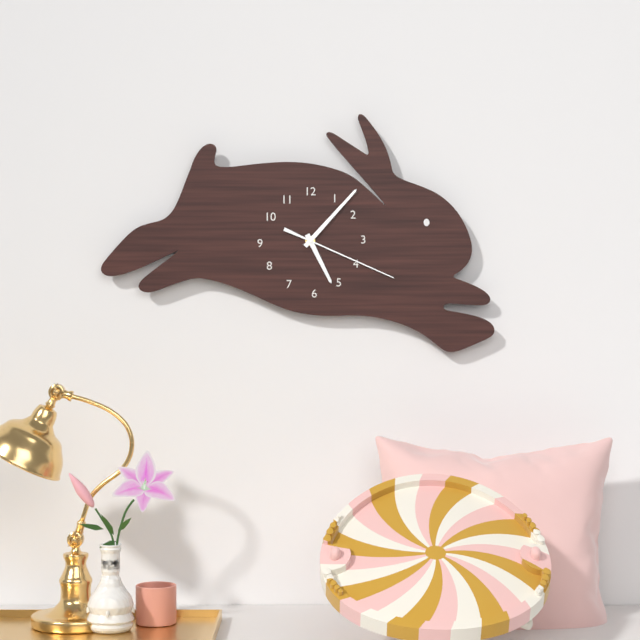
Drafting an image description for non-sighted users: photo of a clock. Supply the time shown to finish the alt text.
5:07:19
